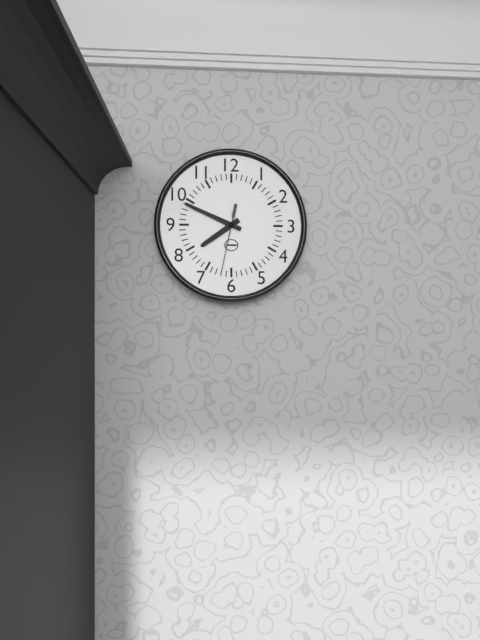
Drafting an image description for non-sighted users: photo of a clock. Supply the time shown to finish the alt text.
7:49:32
